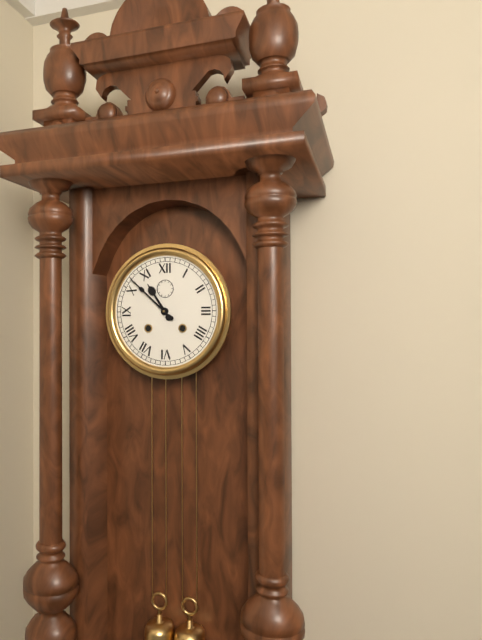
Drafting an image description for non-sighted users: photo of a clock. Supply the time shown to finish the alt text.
10:52
